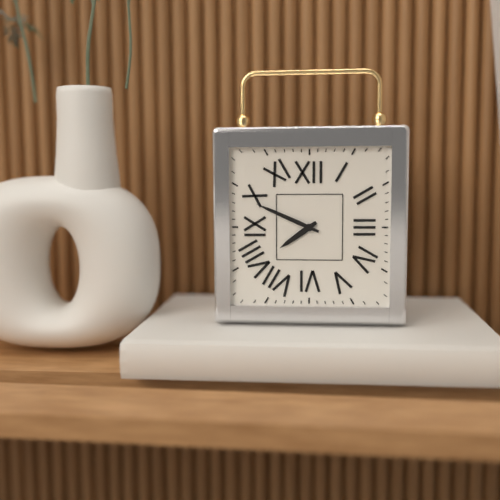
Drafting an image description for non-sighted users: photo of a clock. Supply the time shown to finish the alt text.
7:49
